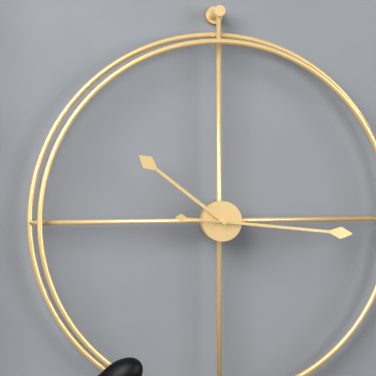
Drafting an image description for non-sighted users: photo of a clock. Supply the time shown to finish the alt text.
10:16:46
